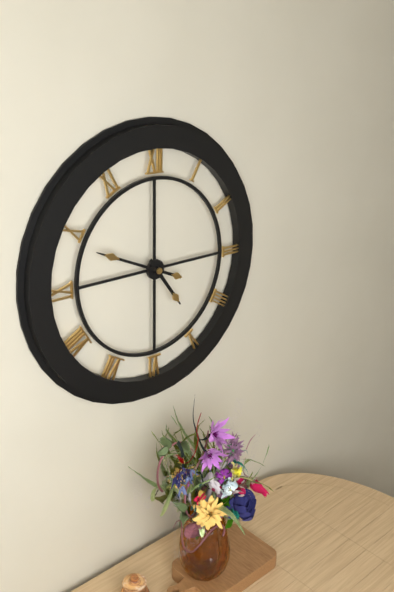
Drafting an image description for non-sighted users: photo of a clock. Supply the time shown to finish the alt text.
4:49
